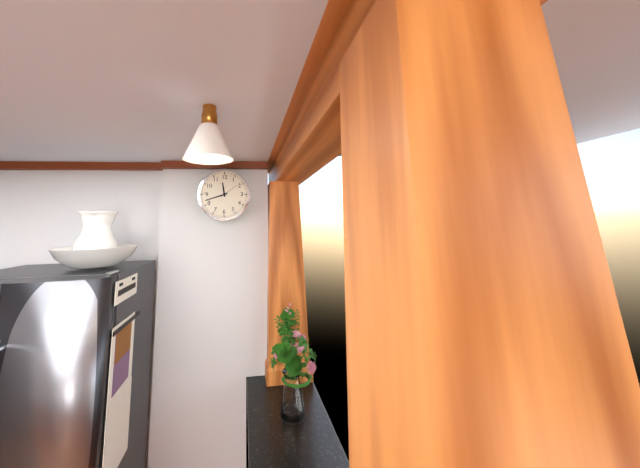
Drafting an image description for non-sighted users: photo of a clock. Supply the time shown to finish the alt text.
11:42
